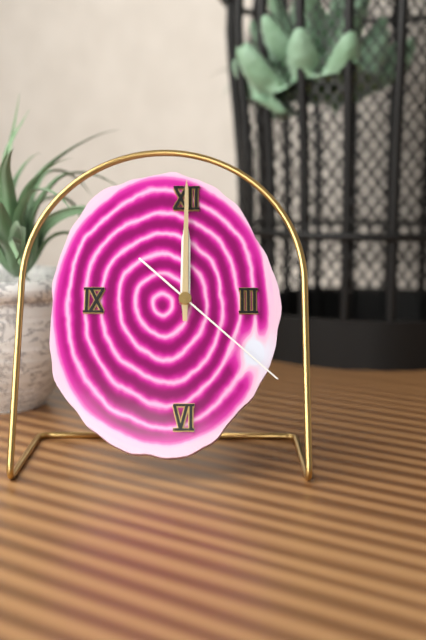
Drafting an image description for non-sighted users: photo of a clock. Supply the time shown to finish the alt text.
12:00:22
